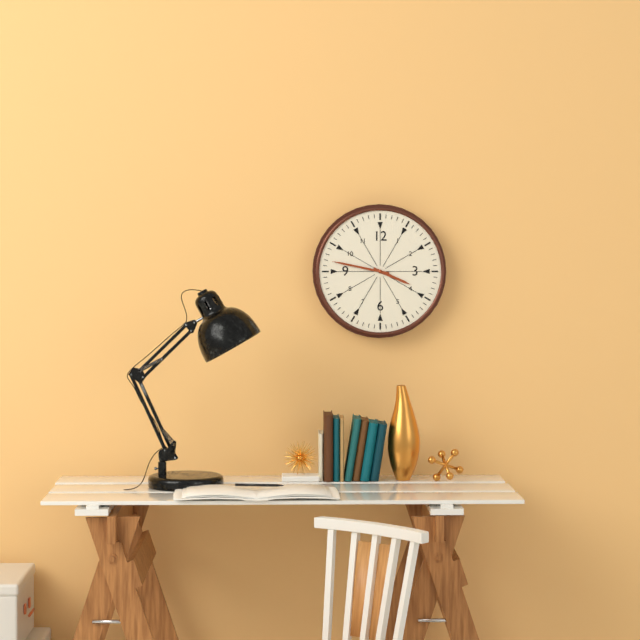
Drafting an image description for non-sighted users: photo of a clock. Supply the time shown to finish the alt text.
3:47
